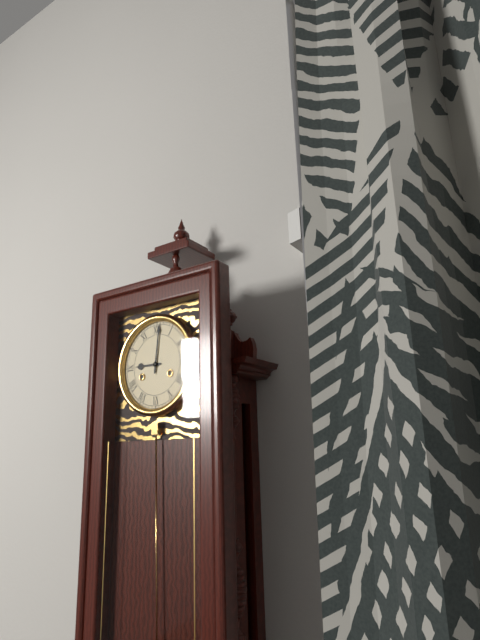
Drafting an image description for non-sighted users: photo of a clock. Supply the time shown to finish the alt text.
9:01
